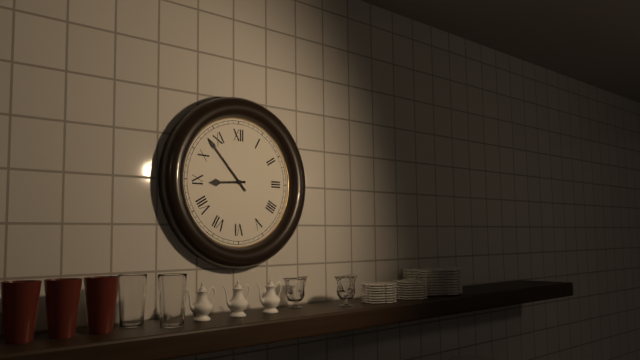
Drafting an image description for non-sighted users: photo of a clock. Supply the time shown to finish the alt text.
8:53
